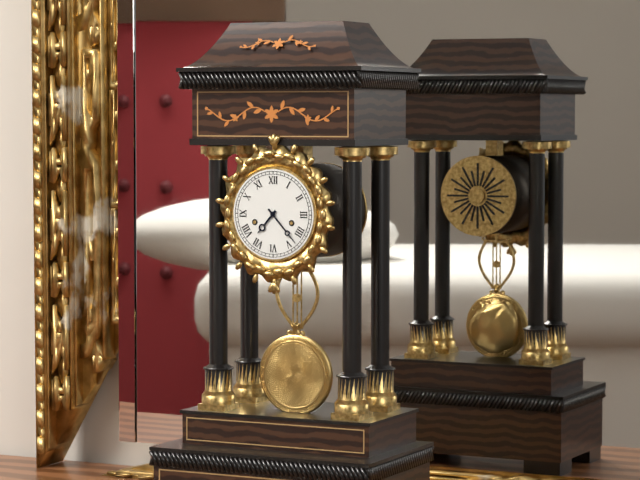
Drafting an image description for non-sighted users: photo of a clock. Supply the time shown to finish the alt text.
7:23
